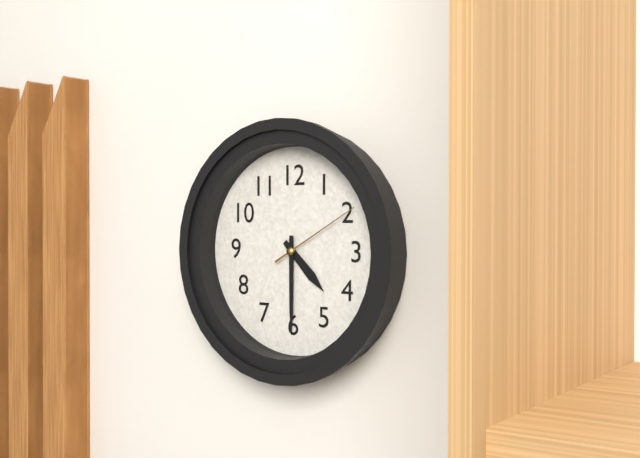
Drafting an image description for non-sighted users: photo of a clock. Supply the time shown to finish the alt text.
4:30:10
